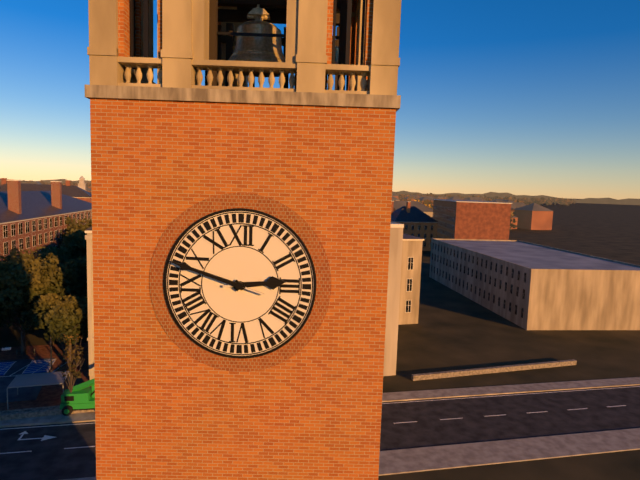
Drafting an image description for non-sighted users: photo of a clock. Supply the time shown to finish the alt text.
2:48
